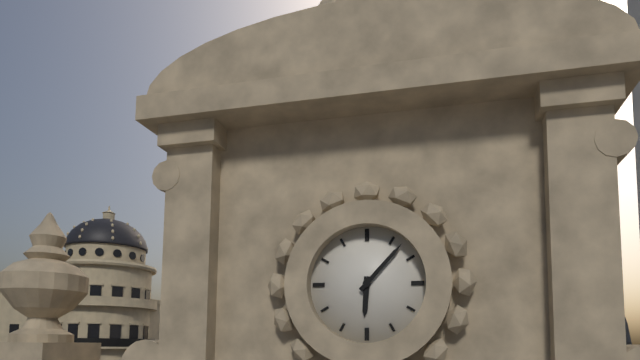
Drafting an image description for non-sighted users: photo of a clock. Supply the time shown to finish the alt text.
6:07
